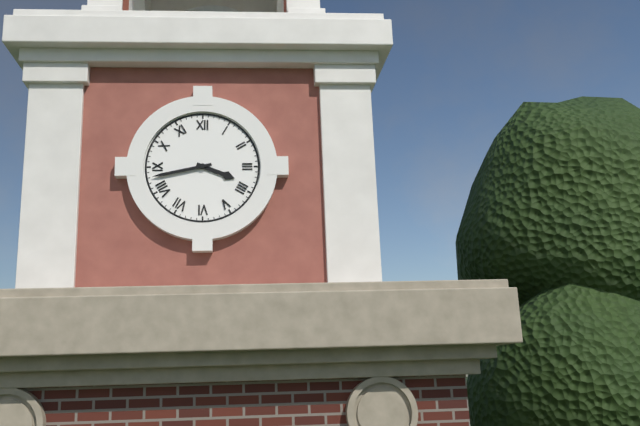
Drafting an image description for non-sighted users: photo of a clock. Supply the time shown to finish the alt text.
3:43
